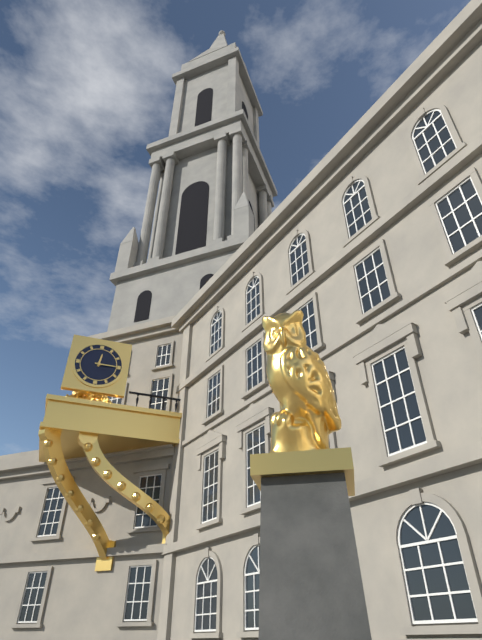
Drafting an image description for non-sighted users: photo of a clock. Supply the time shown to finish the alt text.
12:15
